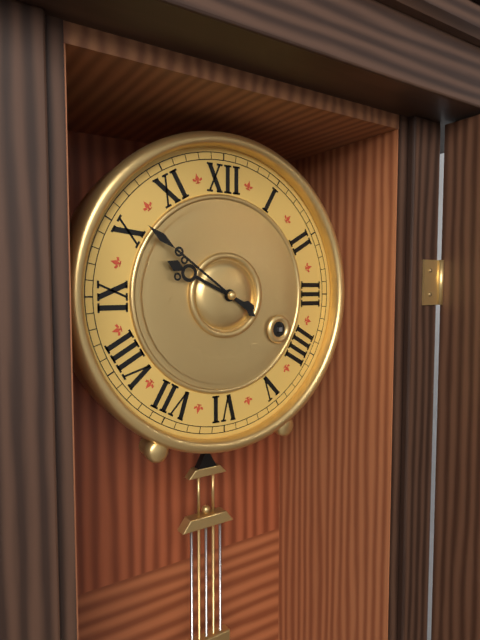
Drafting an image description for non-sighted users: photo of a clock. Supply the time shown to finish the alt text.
9:51
